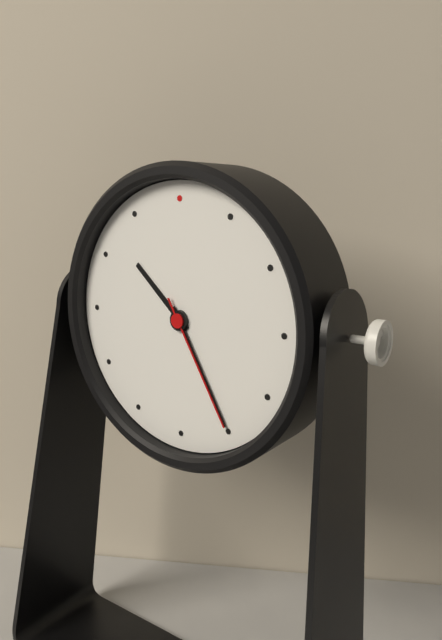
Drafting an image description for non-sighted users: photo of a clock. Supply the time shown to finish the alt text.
10:25:25
